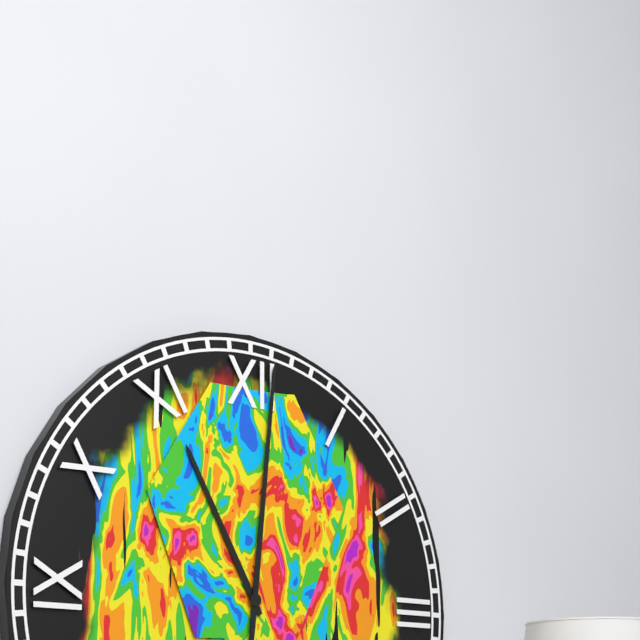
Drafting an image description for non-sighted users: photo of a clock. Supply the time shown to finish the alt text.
11:01
